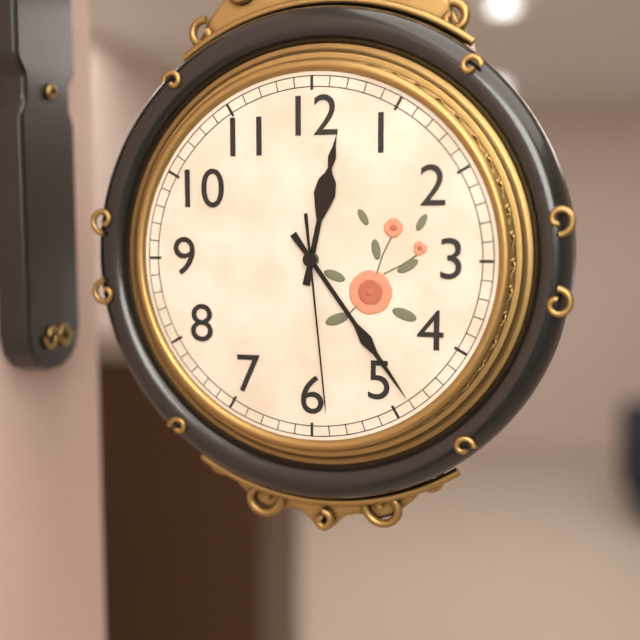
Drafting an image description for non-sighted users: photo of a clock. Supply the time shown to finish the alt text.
12:24:29
